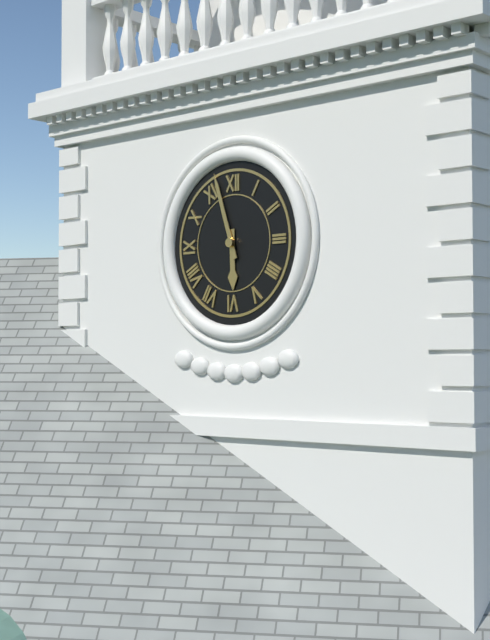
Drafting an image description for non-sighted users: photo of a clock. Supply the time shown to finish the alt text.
5:57
